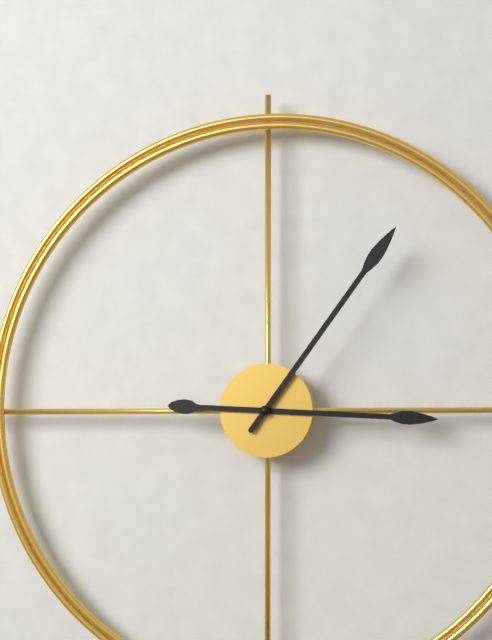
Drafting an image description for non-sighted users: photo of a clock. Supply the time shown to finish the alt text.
3:06
